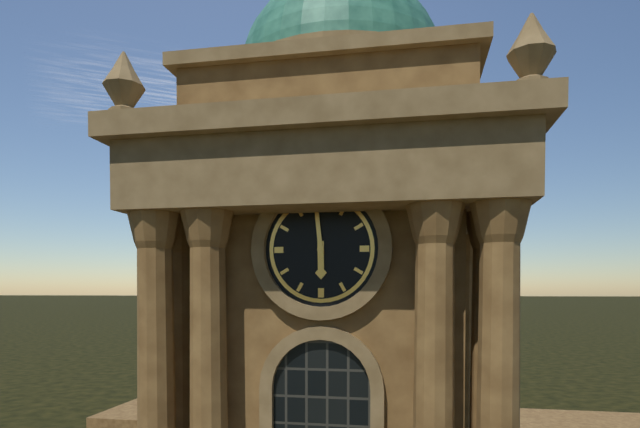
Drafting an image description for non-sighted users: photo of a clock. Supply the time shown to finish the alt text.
5:59
